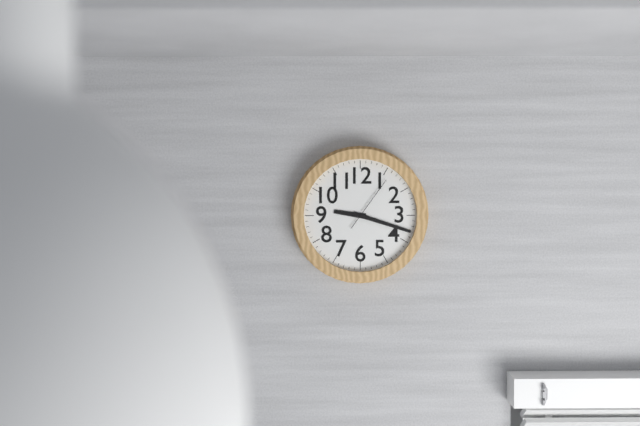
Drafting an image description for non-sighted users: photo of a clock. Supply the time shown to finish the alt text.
9:18:06
